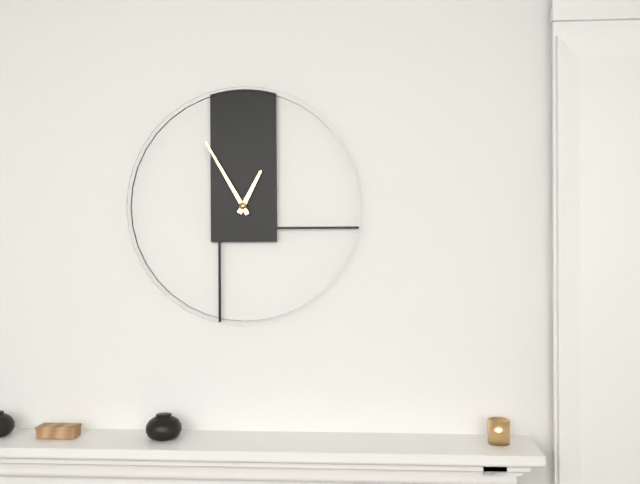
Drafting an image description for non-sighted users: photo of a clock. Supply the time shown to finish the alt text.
12:55
